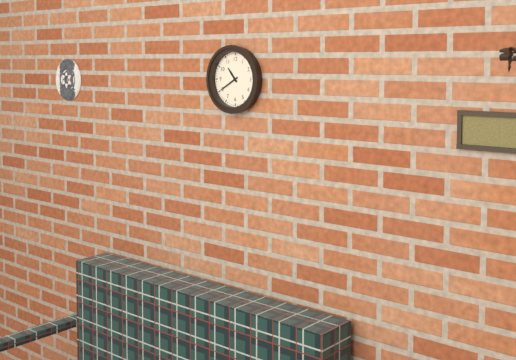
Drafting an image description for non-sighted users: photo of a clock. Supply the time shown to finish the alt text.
10:40
